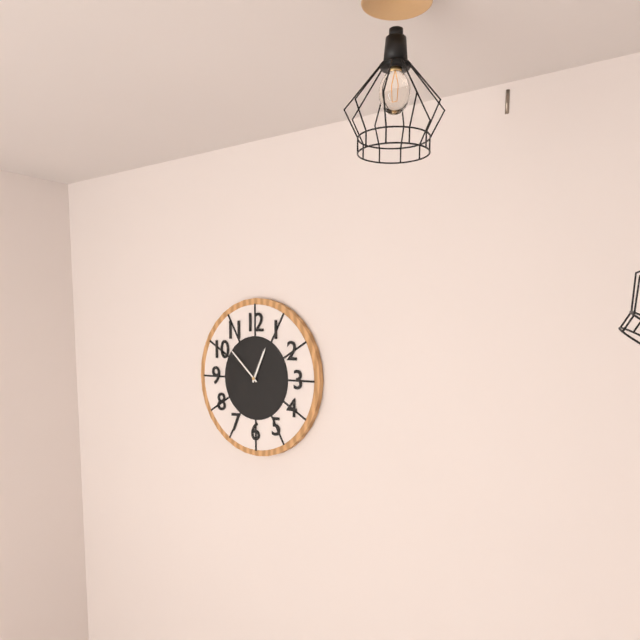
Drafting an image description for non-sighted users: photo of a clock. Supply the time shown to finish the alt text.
12:52
